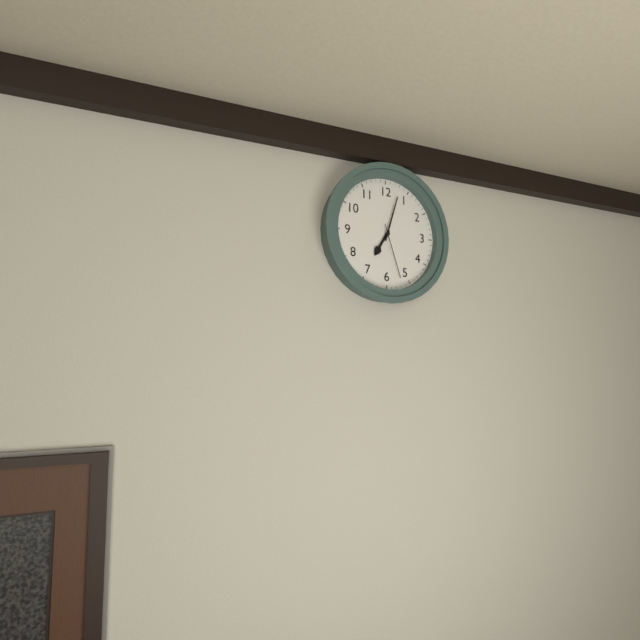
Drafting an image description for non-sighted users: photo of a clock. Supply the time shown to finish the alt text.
7:03:27
